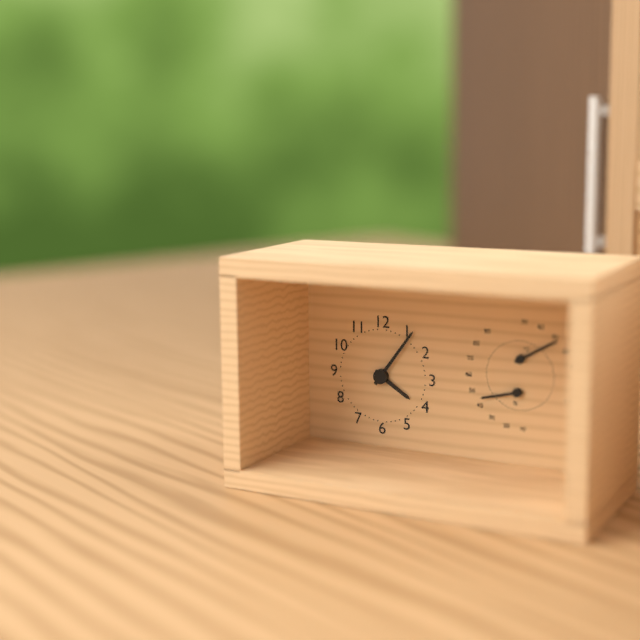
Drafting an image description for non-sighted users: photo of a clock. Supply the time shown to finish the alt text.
4:06
